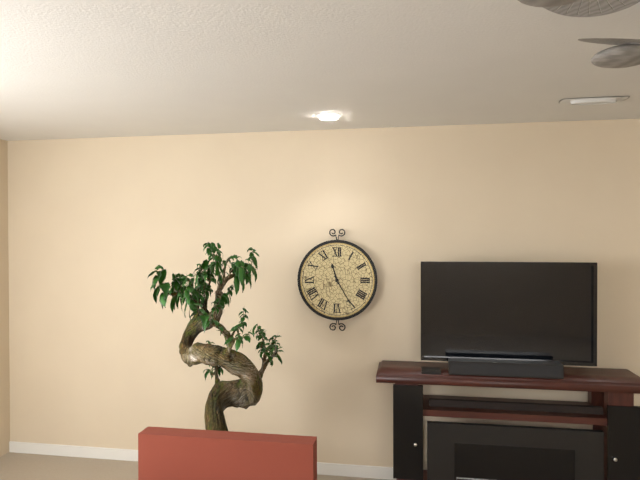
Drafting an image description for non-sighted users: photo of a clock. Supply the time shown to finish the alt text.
11:25
